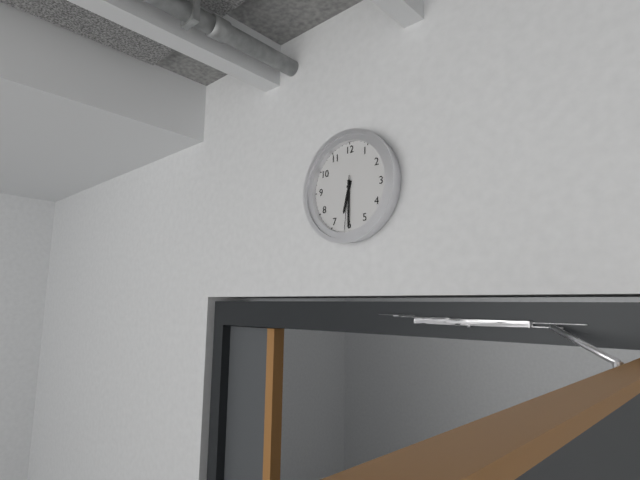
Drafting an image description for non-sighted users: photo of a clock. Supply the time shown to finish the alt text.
6:30:31
